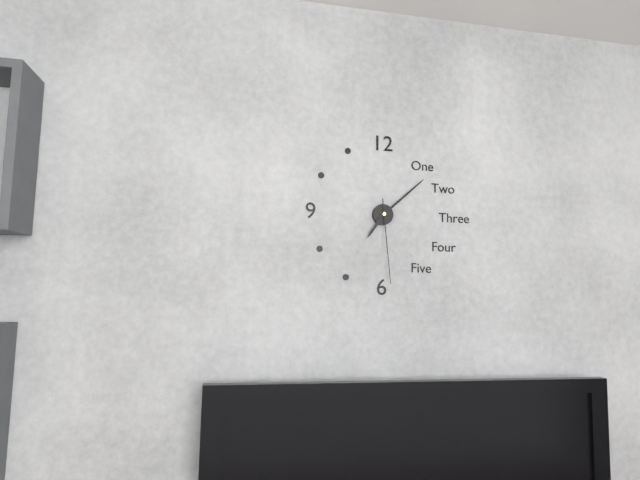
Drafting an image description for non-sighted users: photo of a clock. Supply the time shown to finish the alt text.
7:08:29
